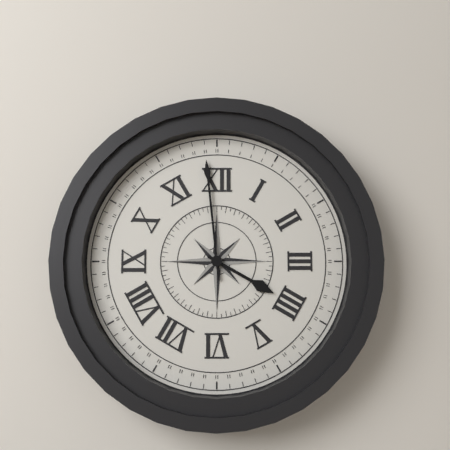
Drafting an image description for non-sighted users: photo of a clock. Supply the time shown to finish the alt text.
3:59
